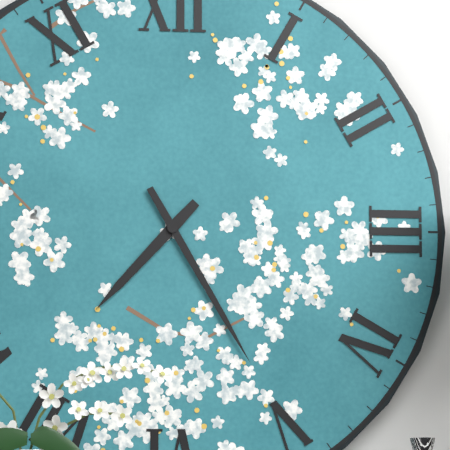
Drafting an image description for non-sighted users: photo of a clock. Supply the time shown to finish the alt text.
7:25
